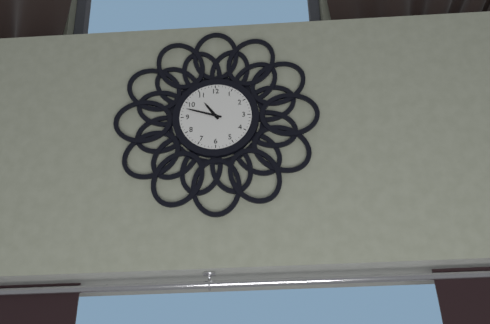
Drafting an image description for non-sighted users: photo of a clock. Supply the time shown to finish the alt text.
10:48
